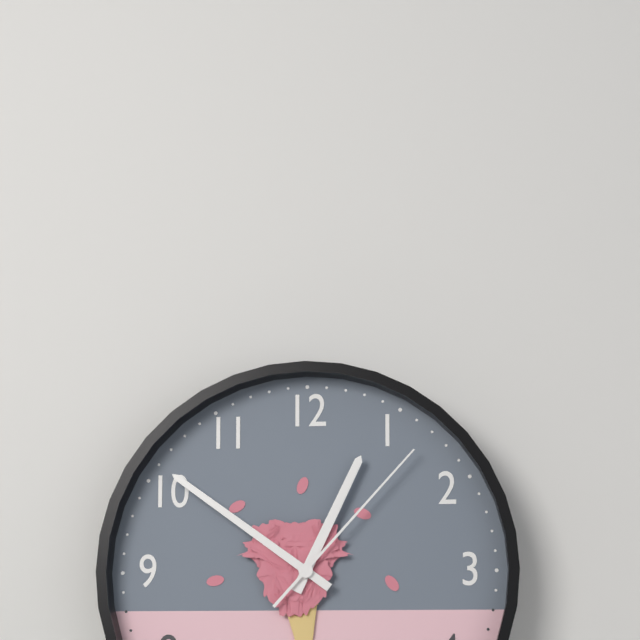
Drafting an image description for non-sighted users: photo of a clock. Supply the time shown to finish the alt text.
12:51:07
